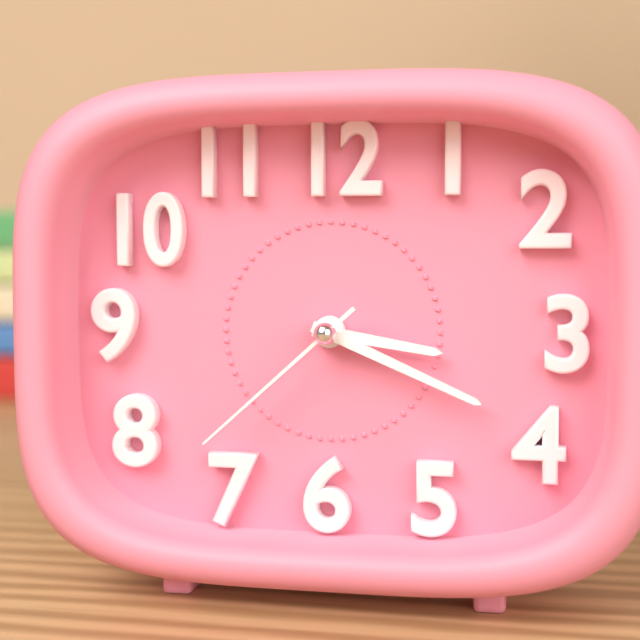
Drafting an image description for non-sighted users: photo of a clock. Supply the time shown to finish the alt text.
3:19:38
